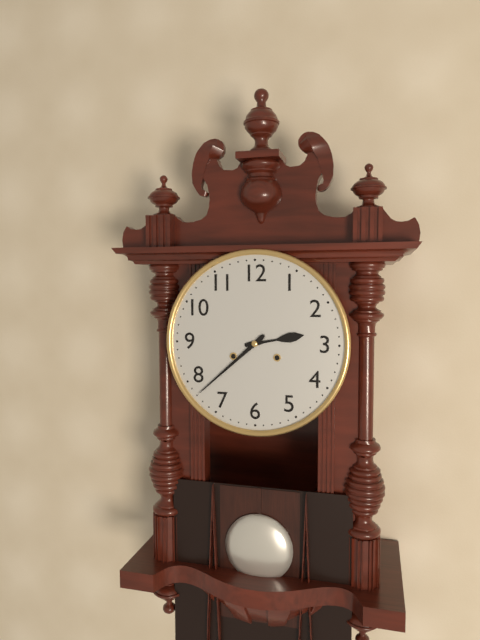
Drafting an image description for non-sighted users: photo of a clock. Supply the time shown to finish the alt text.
2:38
